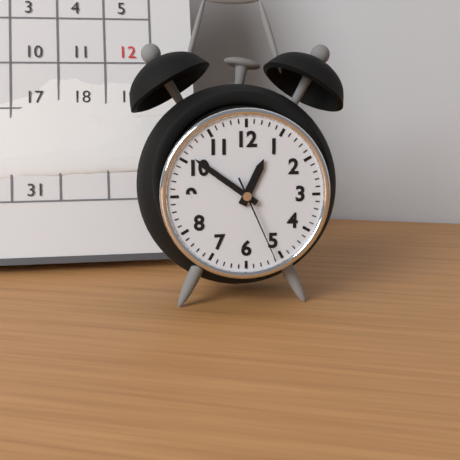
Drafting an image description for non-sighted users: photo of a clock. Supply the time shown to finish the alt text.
12:51:26
